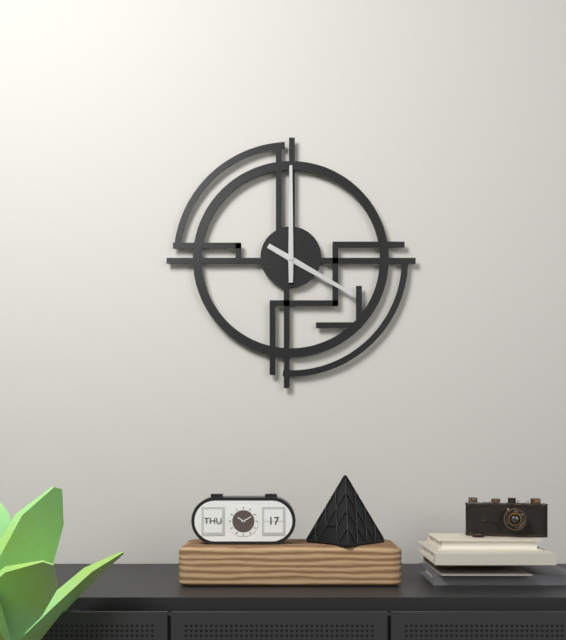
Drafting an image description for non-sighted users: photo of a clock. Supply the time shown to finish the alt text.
4:00
